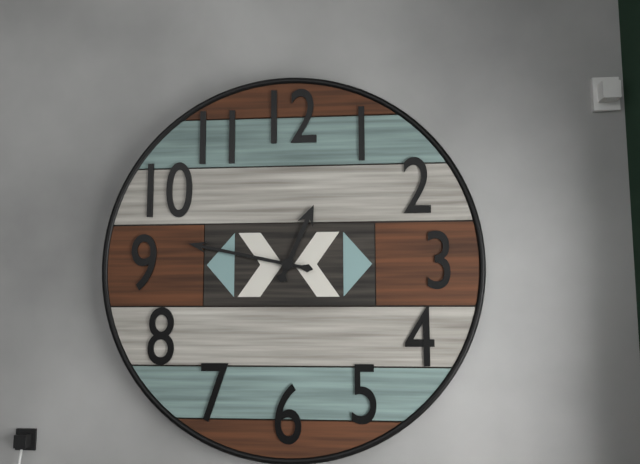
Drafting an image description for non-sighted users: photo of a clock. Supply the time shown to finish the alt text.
12:47
